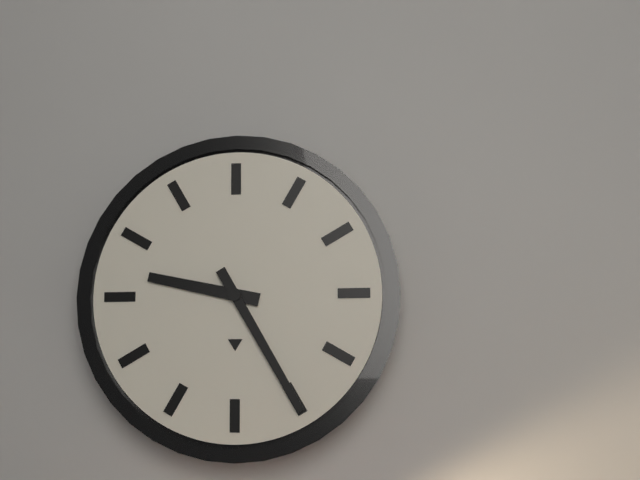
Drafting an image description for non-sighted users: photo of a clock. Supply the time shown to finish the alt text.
9:25
